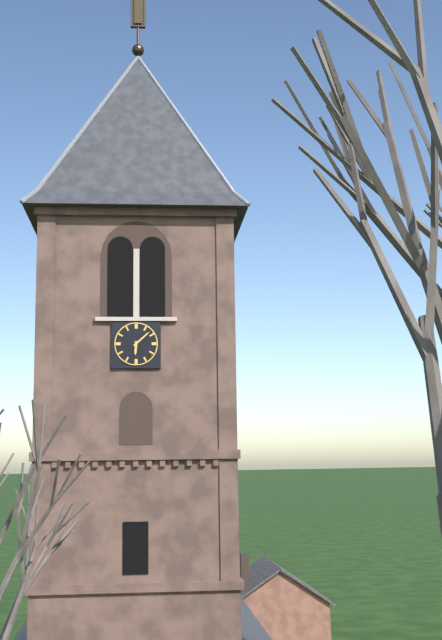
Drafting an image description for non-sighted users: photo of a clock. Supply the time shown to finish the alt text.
6:08
